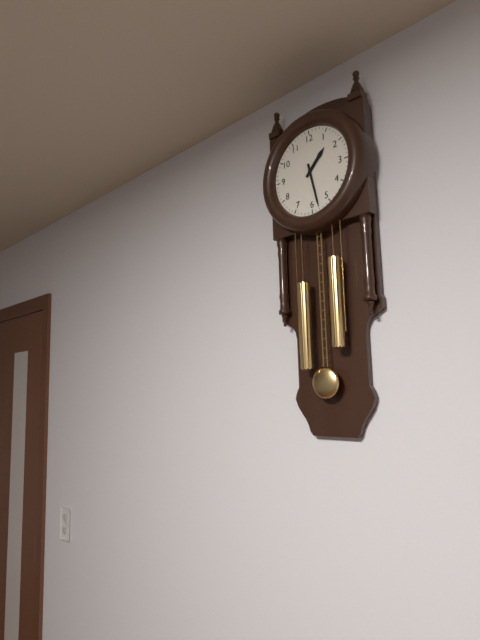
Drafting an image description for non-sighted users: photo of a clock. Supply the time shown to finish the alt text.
1:28
